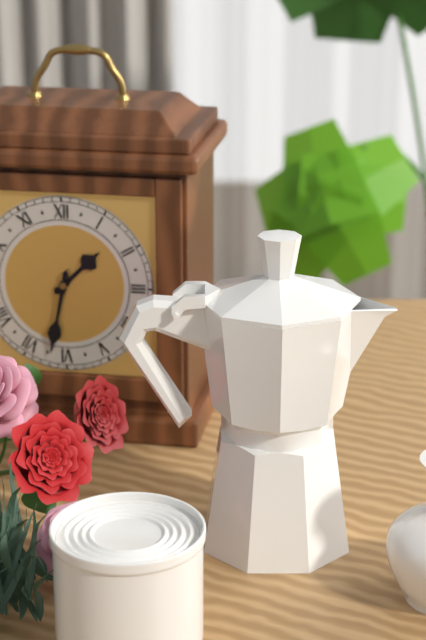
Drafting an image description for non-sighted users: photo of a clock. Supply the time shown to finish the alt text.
1:32
